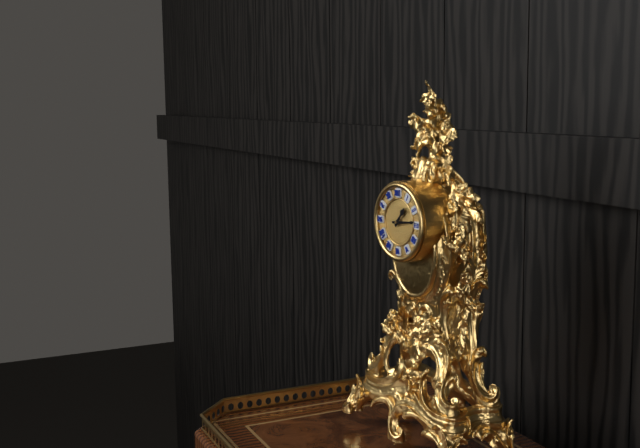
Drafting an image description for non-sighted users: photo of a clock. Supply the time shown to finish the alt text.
1:14
